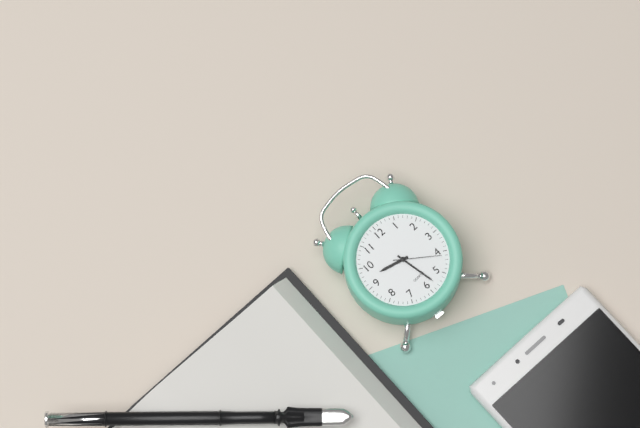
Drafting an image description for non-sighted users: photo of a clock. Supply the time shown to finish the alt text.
9:28
